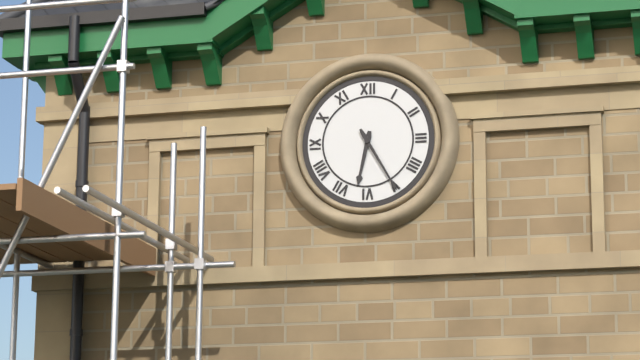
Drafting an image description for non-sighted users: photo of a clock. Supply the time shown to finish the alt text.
6:25
